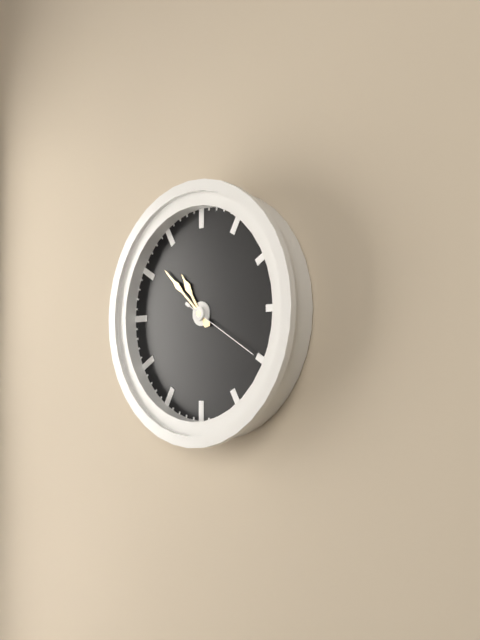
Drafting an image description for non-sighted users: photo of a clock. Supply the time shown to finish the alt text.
10:52:20
